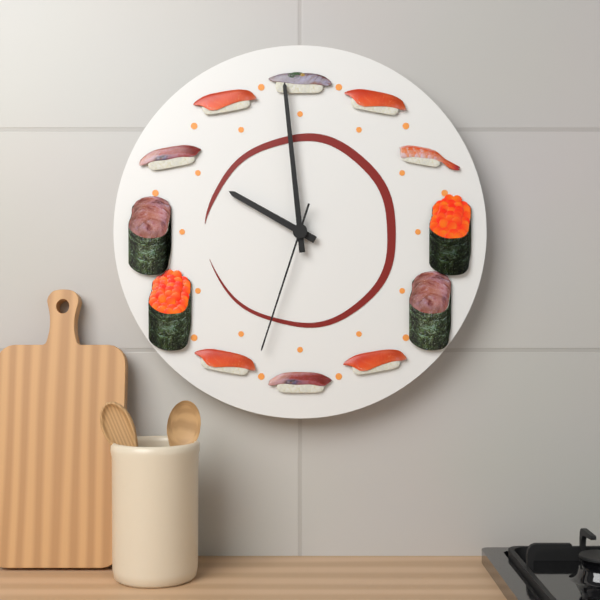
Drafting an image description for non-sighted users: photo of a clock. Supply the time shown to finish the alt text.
9:59:33
